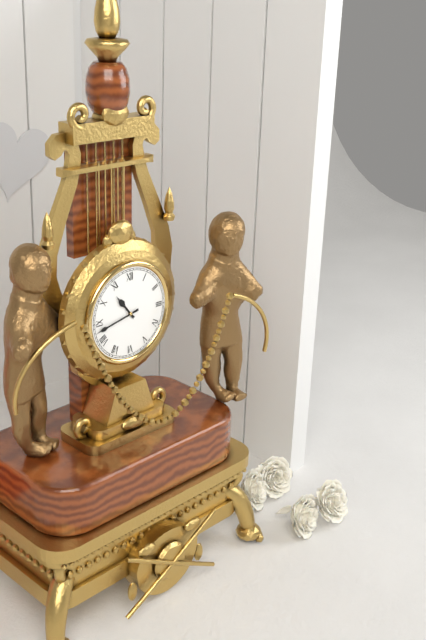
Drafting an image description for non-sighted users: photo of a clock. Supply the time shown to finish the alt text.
10:43
